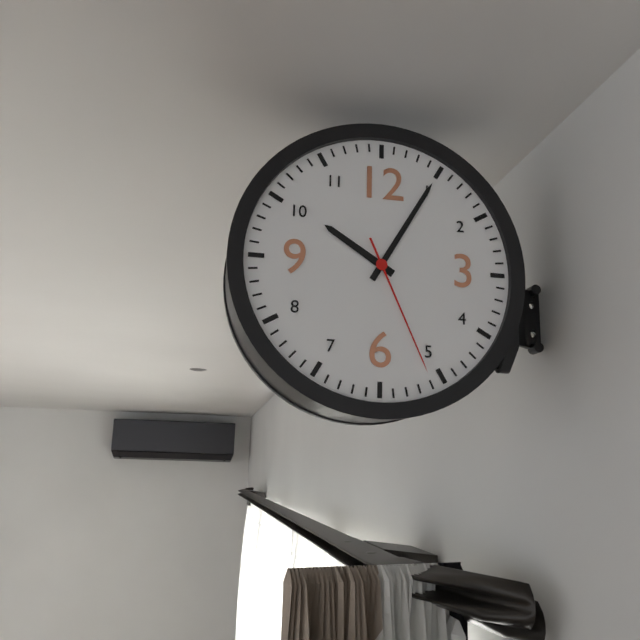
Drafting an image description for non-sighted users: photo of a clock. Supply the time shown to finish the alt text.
10:05:26
